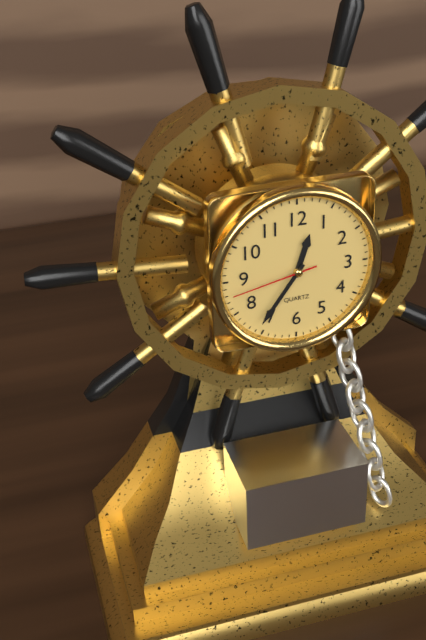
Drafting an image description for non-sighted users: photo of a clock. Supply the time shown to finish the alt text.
12:36:43
